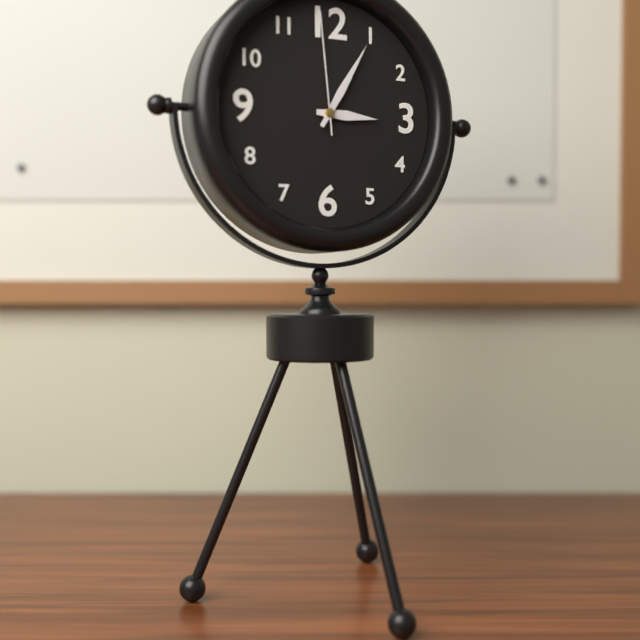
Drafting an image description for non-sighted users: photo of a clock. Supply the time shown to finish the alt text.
3:05:59
